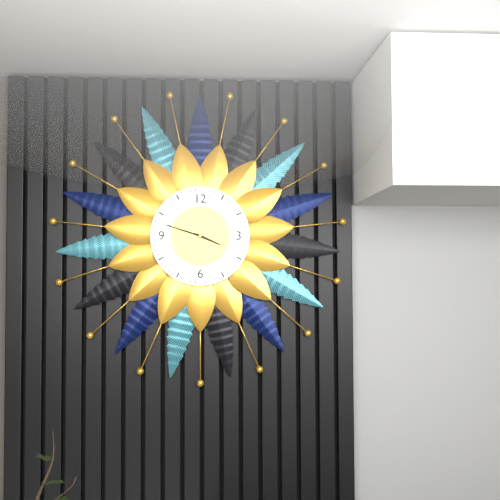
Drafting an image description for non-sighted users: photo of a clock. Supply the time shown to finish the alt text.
3:48:39
